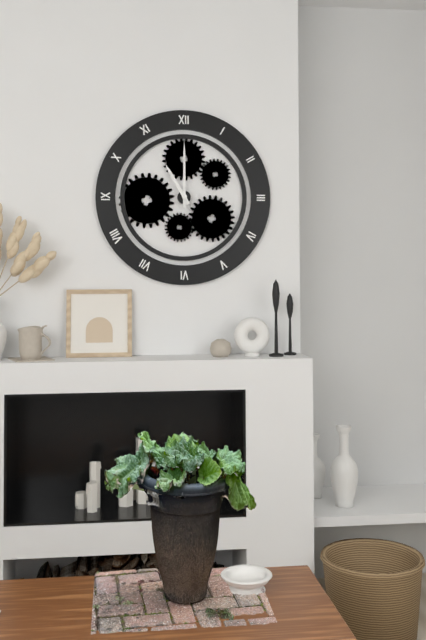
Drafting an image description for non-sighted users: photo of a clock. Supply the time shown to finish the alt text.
11:00
